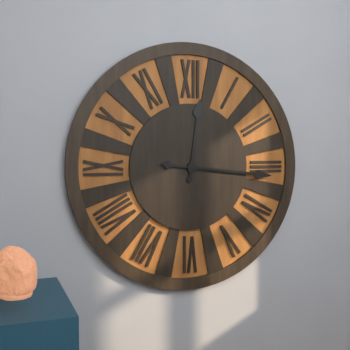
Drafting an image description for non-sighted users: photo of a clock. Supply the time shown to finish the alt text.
12:16
